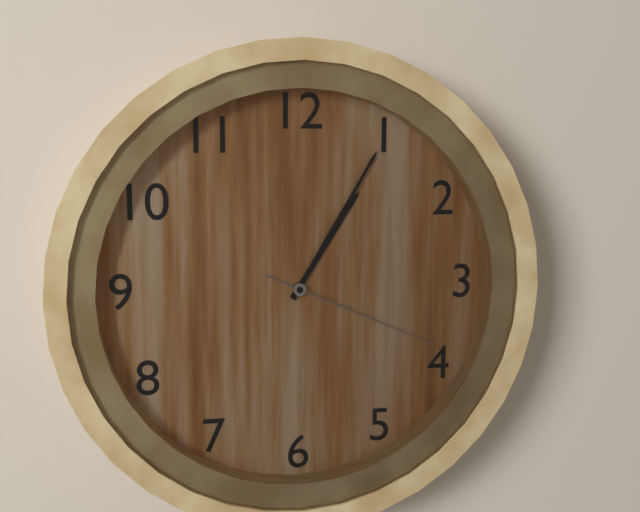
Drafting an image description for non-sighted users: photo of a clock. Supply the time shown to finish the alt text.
1:05:19
